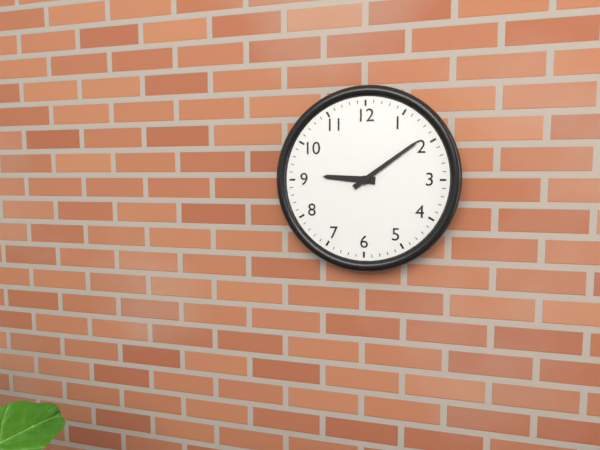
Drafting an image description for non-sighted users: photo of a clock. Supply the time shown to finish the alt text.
9:09
